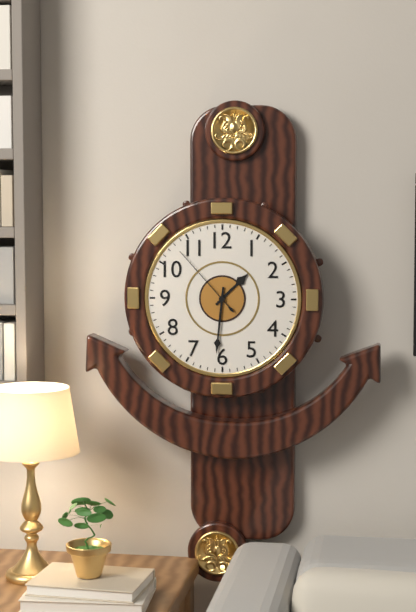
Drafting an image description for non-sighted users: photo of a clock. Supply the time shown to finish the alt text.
1:31:53
